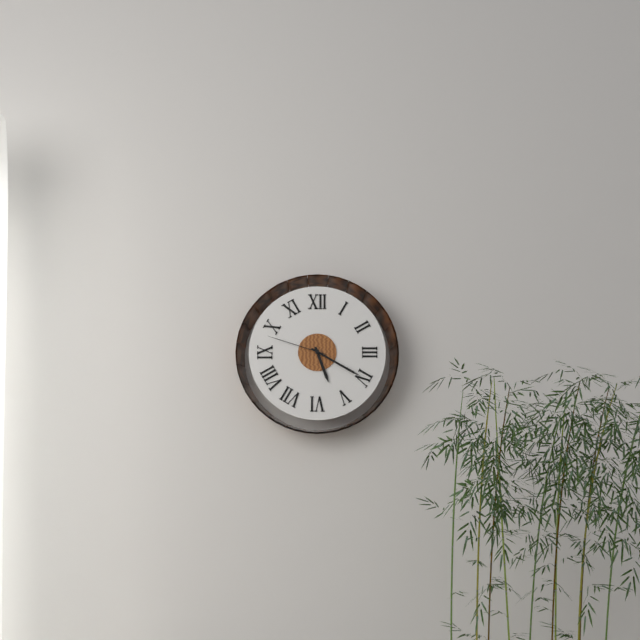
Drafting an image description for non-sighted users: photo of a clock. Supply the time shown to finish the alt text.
5:20:48
